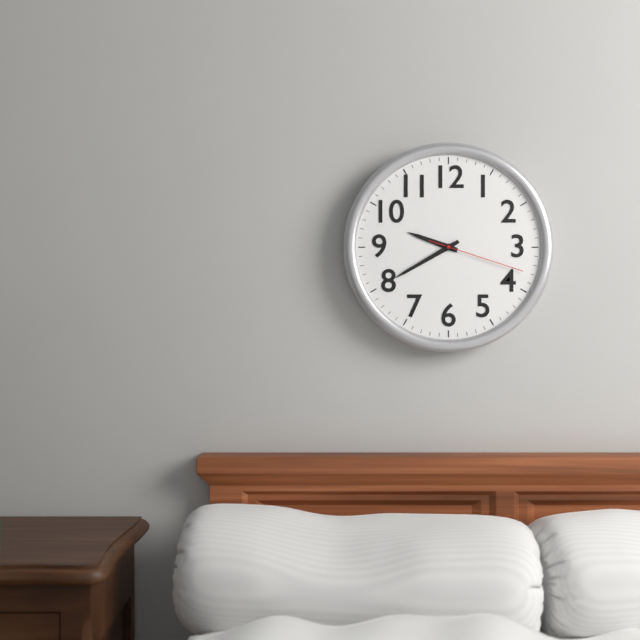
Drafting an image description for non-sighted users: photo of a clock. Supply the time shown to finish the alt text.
9:40:18
